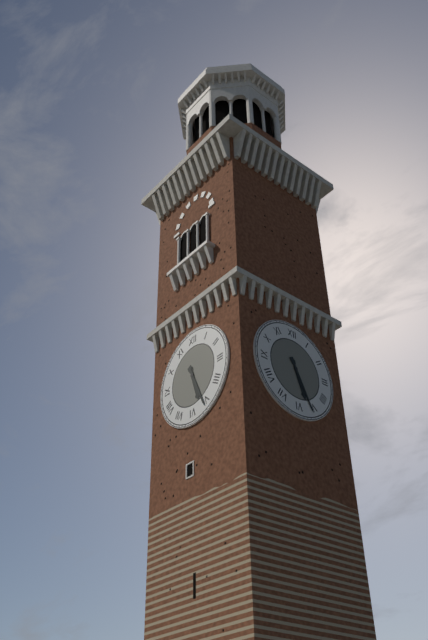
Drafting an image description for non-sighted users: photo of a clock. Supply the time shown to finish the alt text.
5:26
